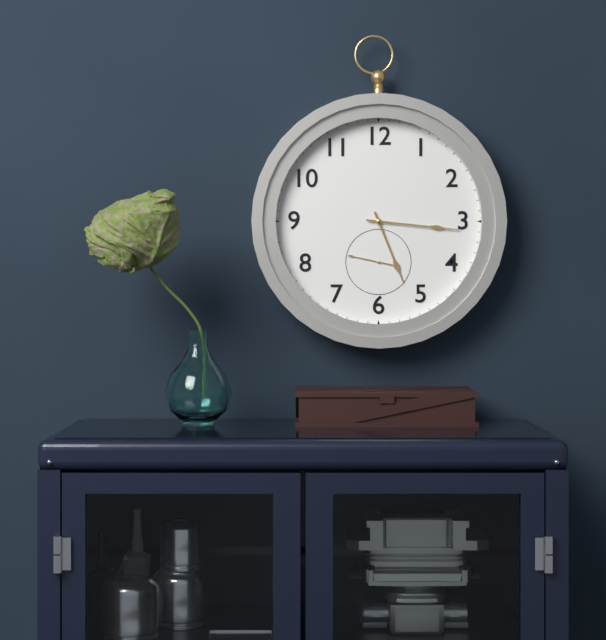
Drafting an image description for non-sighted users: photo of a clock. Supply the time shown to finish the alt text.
5:16
